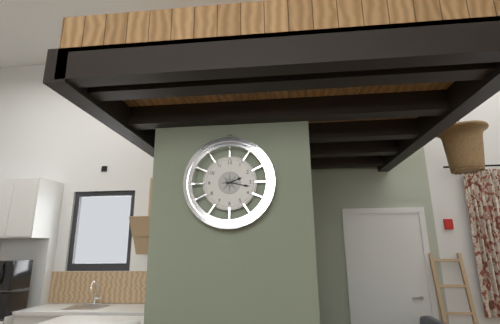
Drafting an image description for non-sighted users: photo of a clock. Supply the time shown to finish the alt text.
2:17
